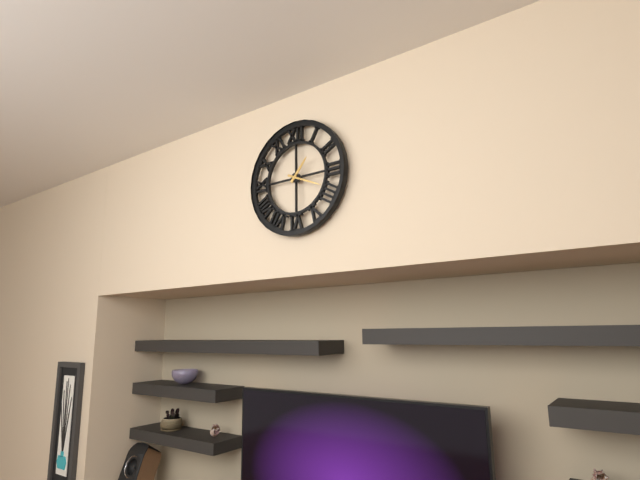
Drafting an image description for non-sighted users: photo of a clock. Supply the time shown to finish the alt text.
1:19
